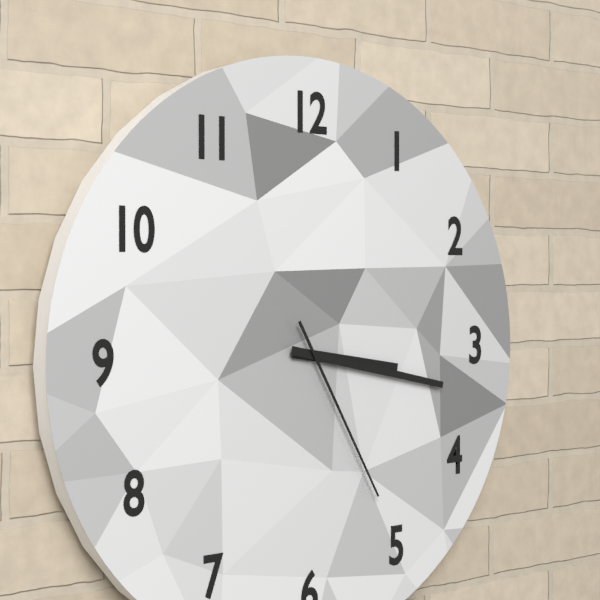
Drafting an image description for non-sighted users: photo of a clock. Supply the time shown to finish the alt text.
3:17:25
